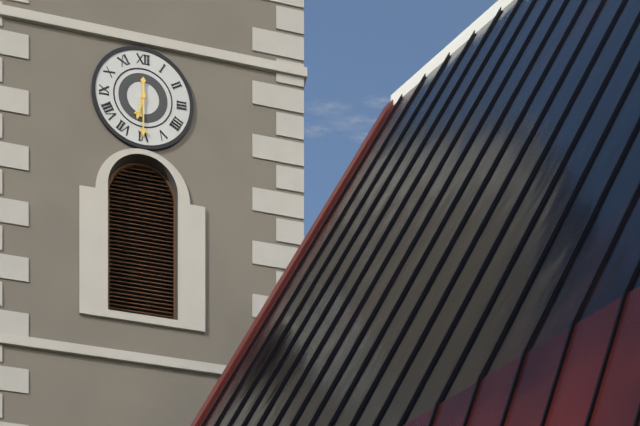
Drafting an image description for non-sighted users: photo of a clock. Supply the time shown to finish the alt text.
6:30
